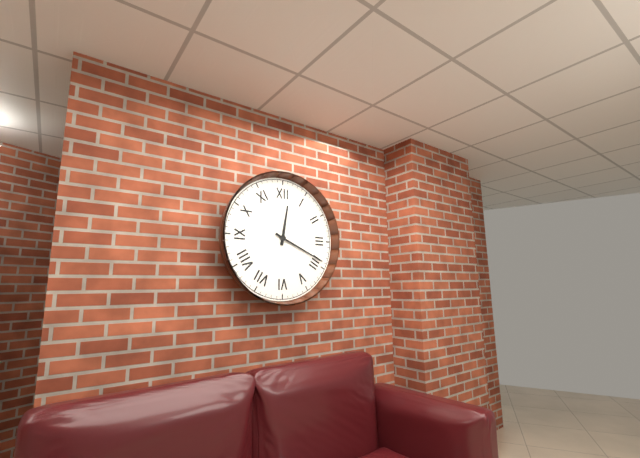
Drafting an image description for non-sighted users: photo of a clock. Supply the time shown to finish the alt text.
12:19
